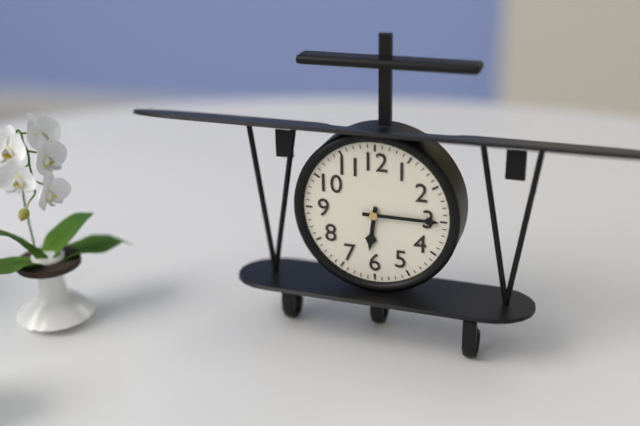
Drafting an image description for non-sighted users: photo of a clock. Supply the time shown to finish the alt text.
6:15
